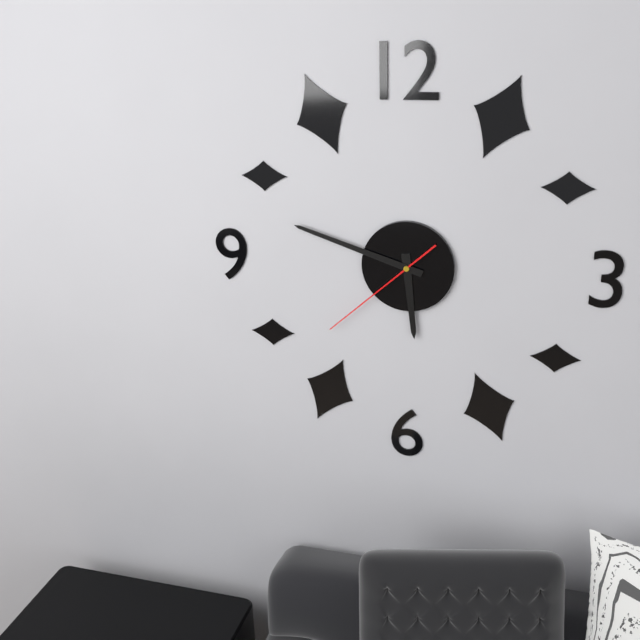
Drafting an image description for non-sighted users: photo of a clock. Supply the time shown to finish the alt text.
5:48:38
